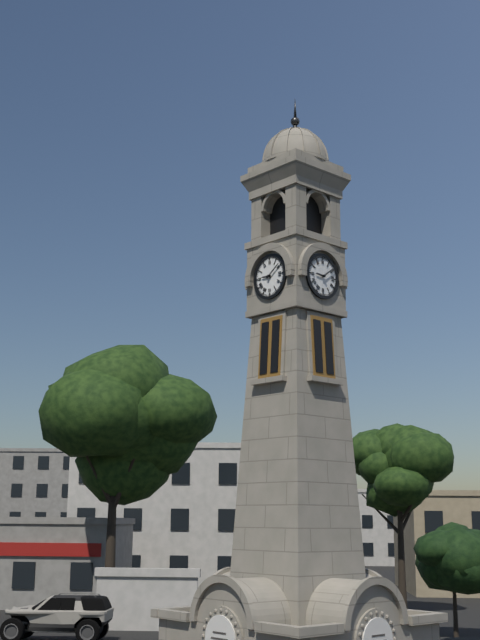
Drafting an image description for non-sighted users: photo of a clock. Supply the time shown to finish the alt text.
9:09
